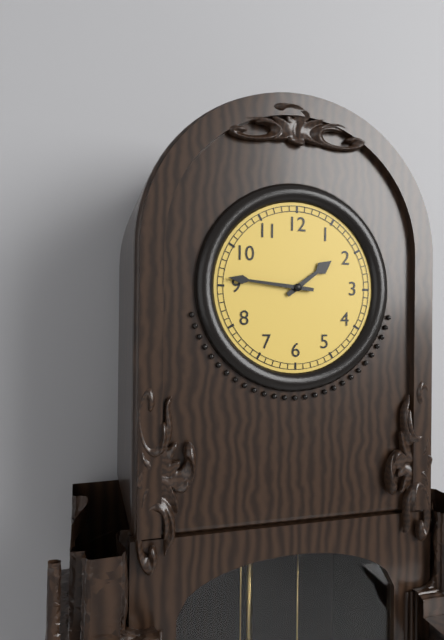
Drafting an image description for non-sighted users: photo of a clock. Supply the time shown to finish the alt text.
1:46
